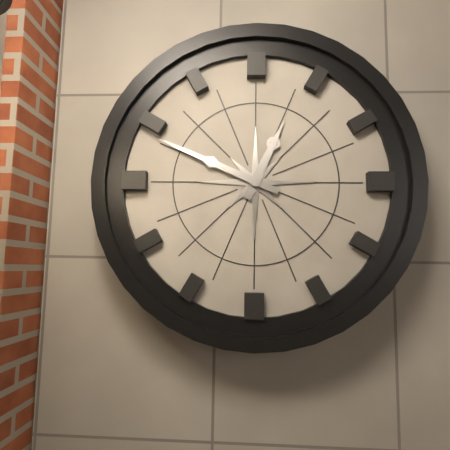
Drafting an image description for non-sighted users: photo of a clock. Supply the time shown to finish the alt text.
12:49
